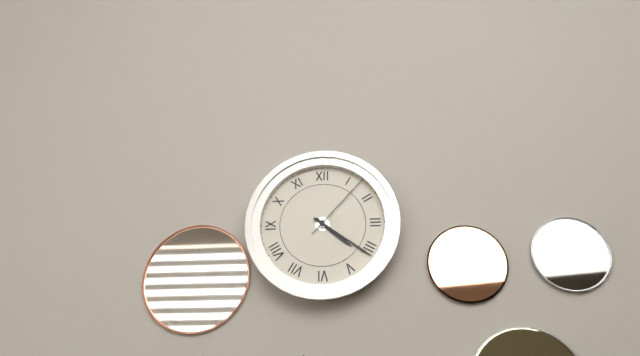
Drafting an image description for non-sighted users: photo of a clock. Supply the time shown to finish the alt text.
4:21:07
